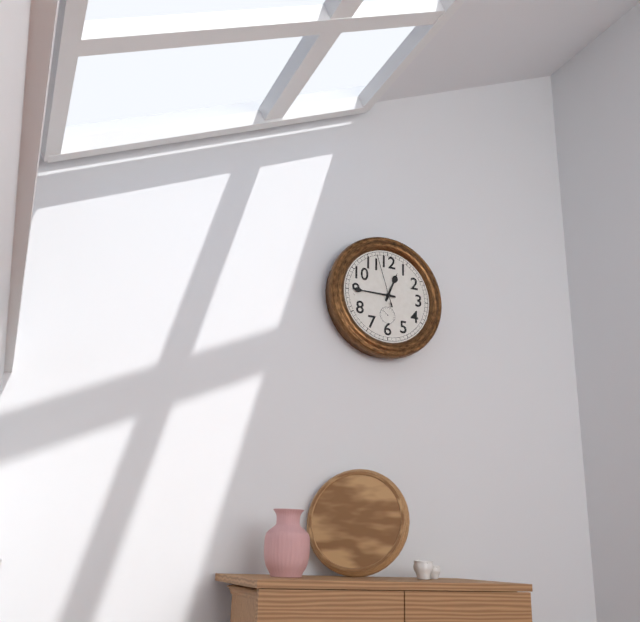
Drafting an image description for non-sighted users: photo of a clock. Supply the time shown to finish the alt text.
12:45:57
